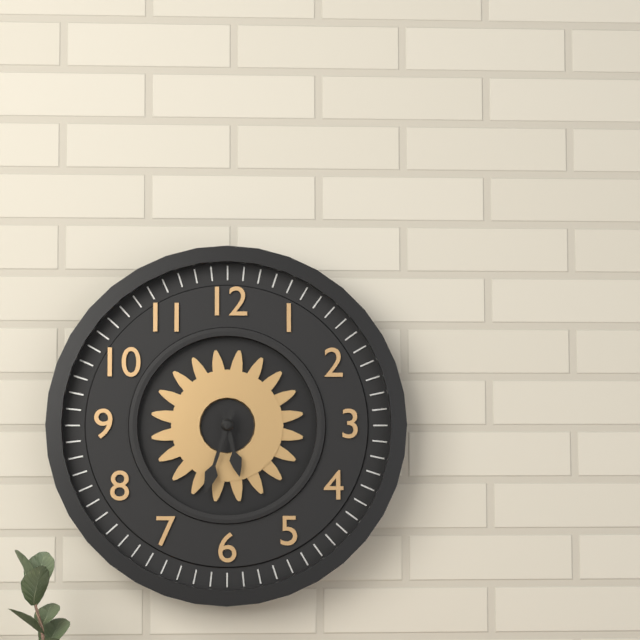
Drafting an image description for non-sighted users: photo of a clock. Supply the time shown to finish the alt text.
5:33
